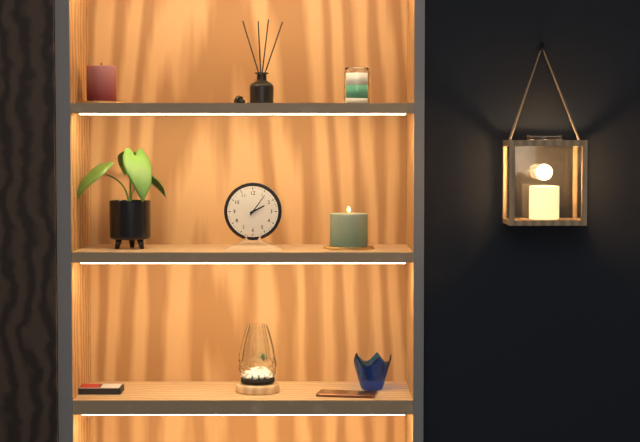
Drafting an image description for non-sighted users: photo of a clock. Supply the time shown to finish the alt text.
2:06
